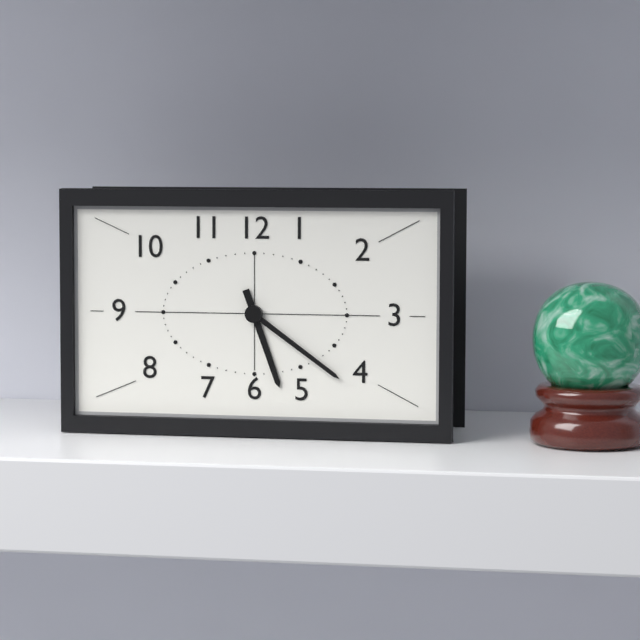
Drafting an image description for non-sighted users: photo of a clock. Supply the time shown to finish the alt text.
5:21
